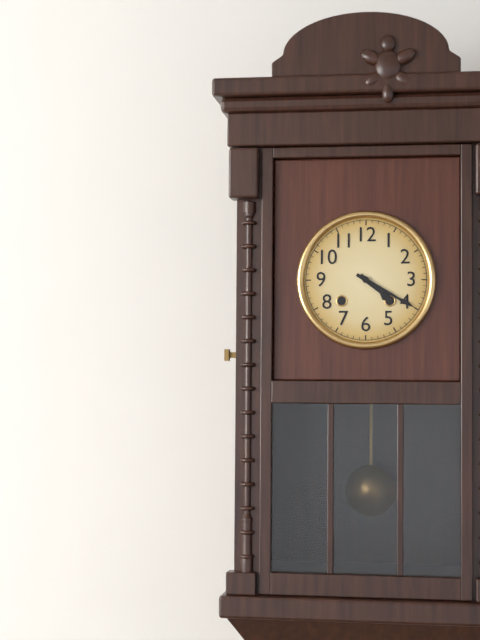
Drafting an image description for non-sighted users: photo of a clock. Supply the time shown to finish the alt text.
4:20
